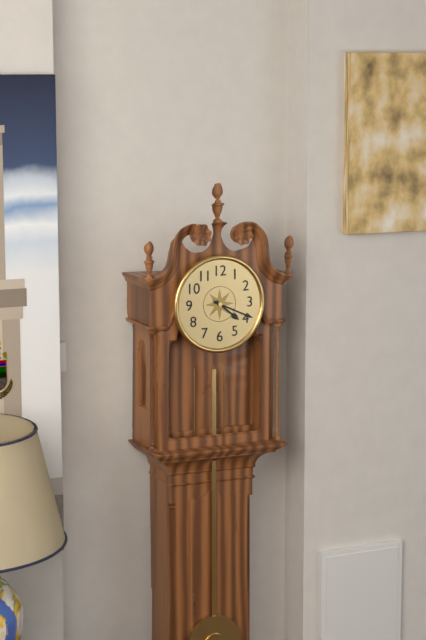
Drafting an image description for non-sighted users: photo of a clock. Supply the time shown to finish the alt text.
4:19
